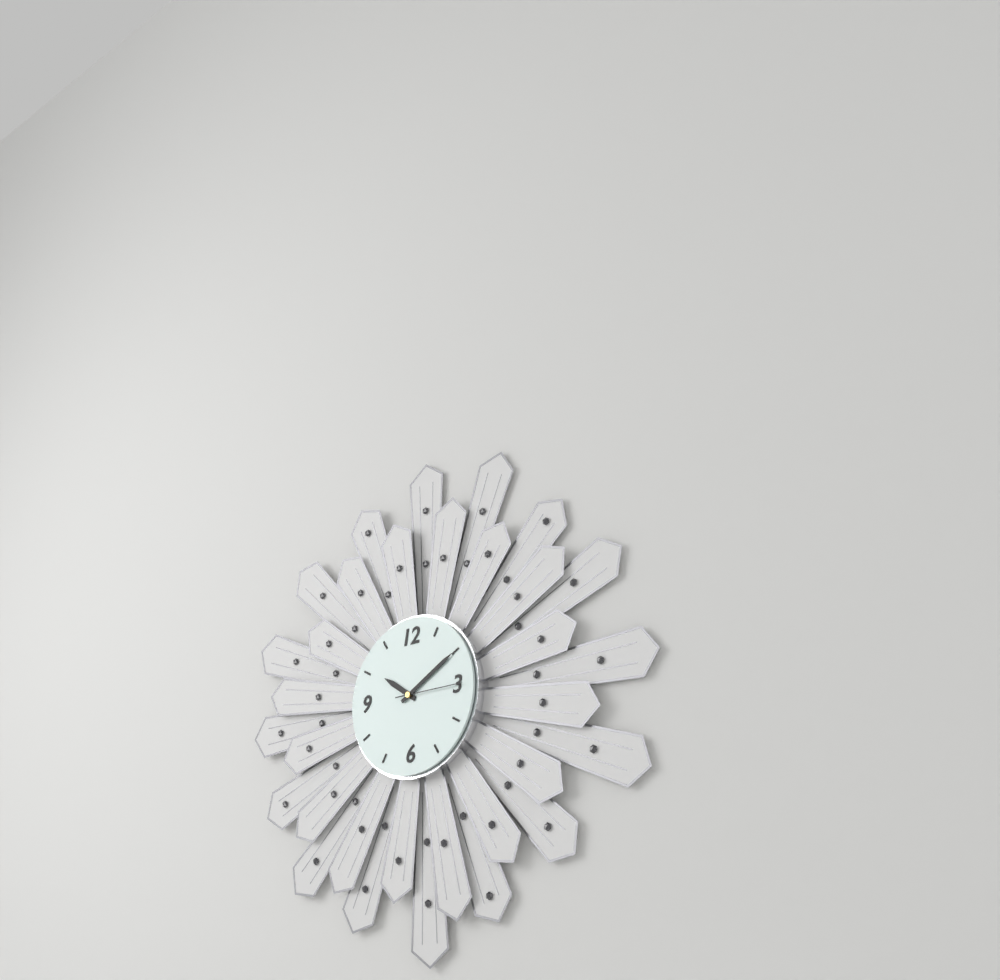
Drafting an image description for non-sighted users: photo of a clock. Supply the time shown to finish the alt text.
10:10:15
